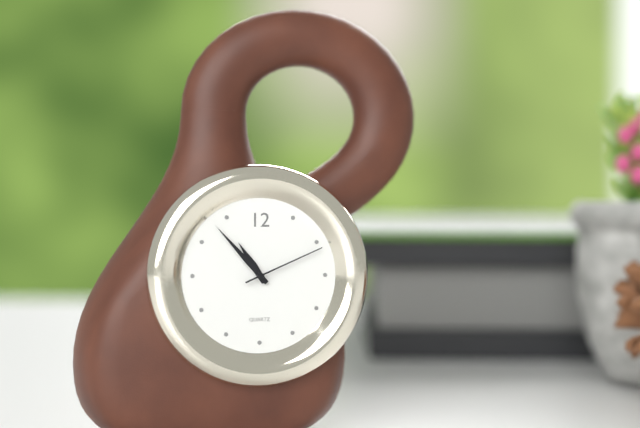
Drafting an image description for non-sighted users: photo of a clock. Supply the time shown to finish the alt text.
10:53:11
